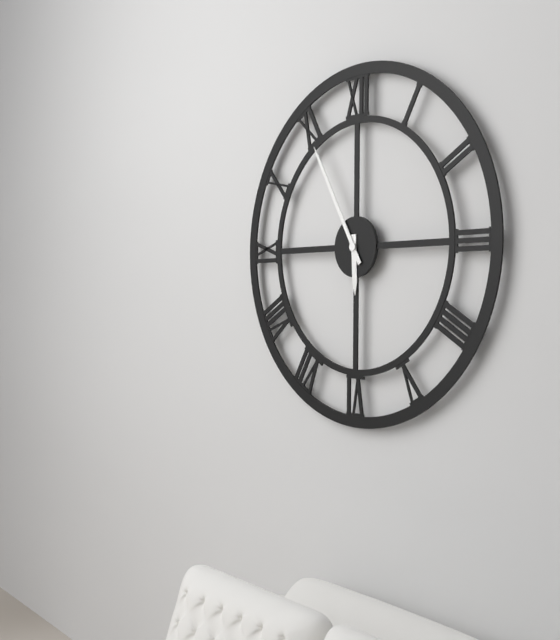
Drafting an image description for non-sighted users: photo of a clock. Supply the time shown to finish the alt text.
5:55
